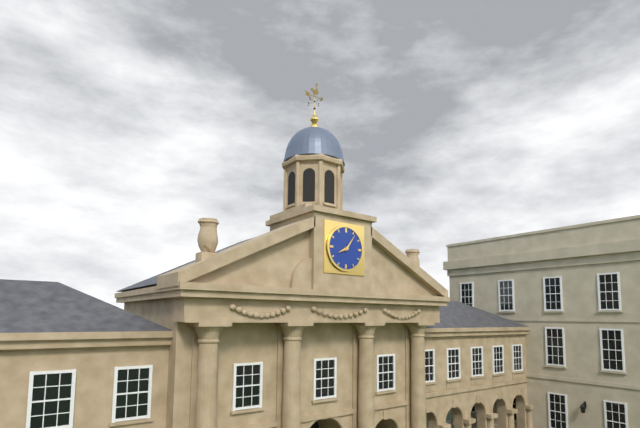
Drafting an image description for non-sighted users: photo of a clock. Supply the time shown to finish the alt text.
8:06
